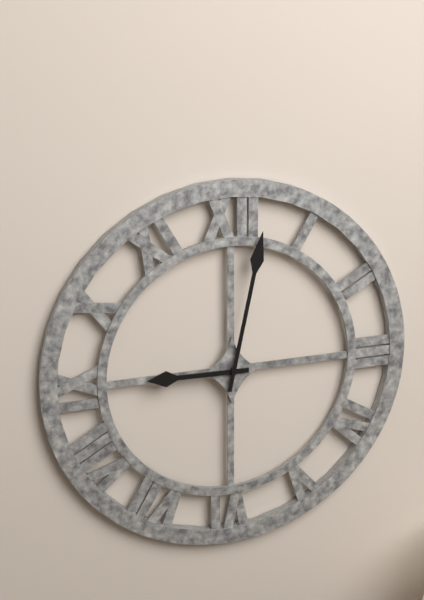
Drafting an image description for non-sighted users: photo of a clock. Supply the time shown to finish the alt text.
9:02
